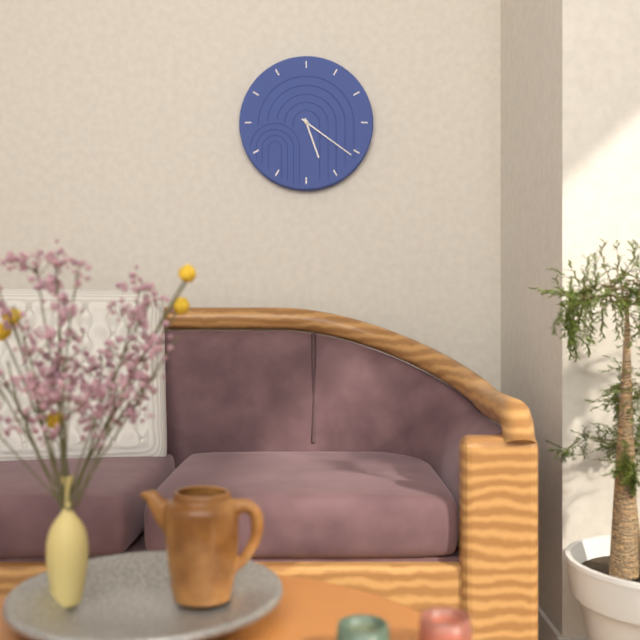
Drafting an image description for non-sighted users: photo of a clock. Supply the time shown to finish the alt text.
5:21
